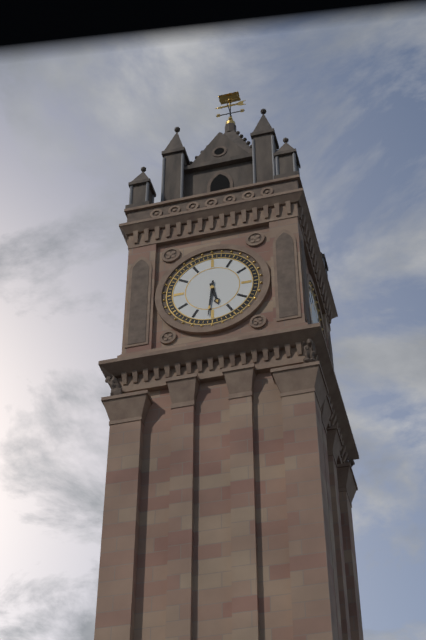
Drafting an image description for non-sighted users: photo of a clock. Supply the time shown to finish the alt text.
5:31
